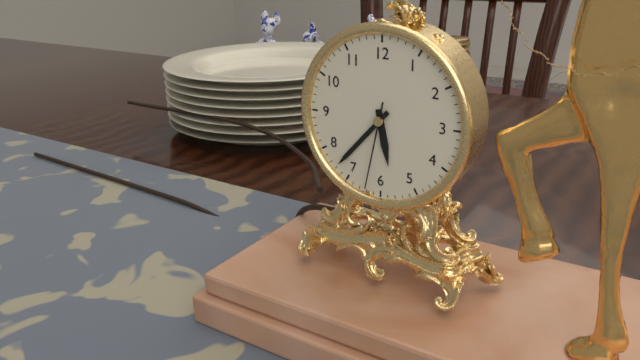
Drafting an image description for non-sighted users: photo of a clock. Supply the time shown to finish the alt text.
5:37:32
